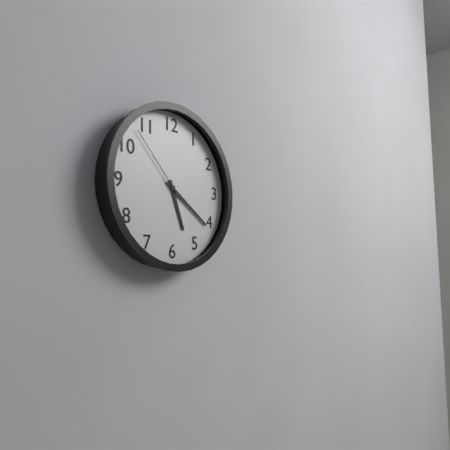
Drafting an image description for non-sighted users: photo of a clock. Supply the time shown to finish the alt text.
5:21:53
